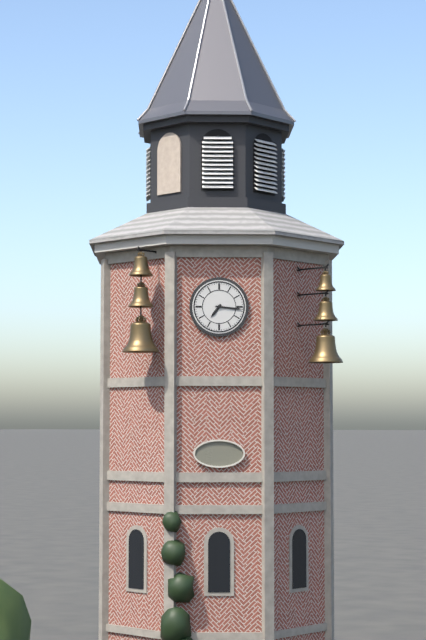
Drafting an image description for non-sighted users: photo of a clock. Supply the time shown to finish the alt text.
7:16
